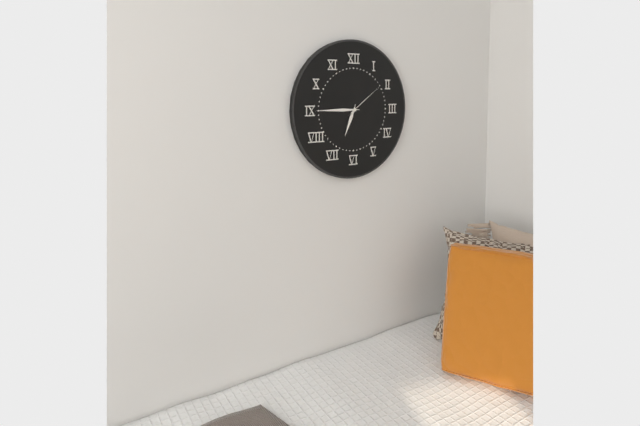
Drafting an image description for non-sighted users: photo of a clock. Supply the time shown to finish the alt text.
6:45
